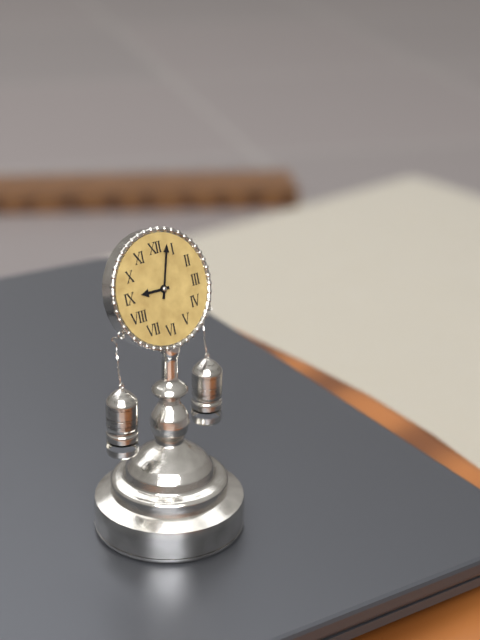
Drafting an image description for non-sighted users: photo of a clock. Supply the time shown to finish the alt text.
9:03
